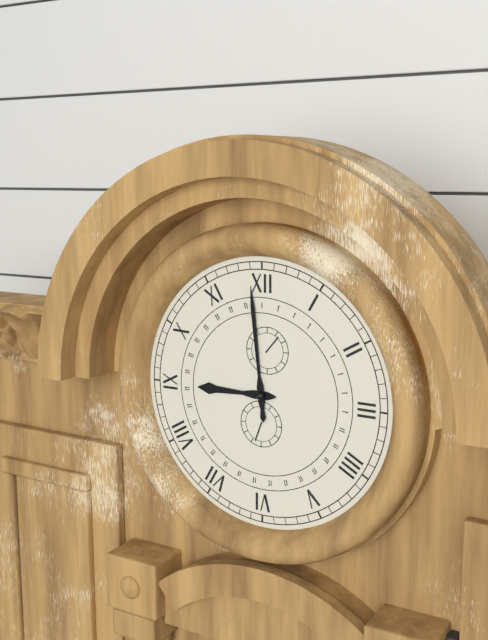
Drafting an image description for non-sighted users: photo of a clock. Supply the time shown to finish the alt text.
8:59
